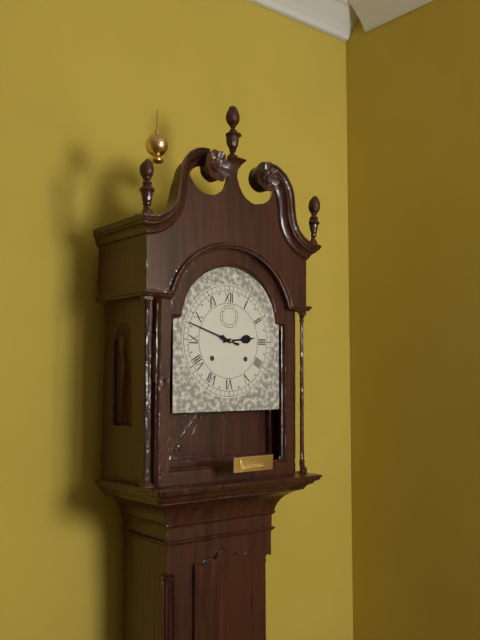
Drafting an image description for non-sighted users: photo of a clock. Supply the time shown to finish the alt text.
2:48
